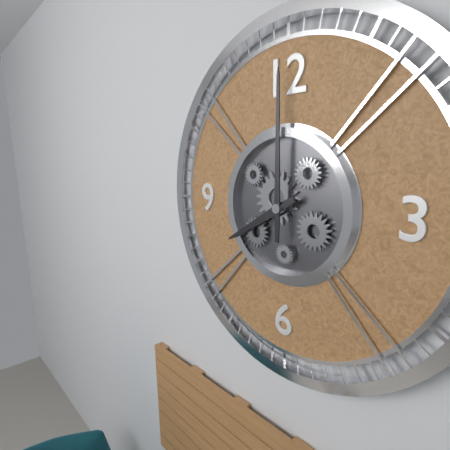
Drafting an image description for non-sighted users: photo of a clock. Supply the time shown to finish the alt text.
8:00
